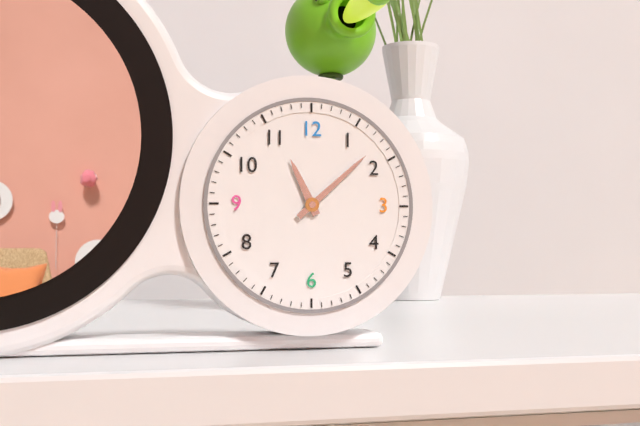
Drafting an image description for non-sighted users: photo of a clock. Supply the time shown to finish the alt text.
11:08
